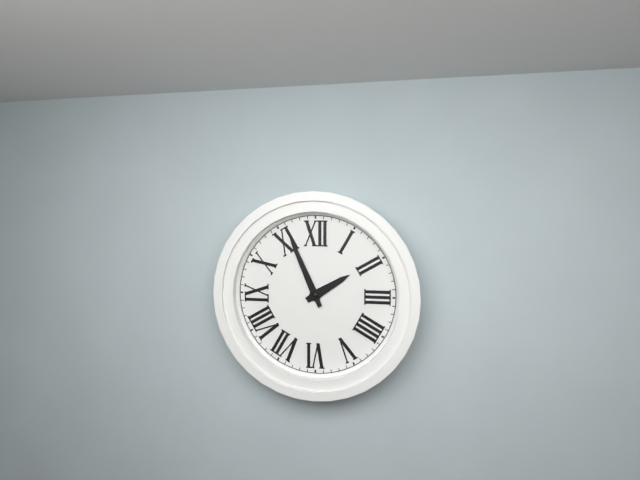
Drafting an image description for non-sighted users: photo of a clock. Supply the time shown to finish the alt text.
1:56
